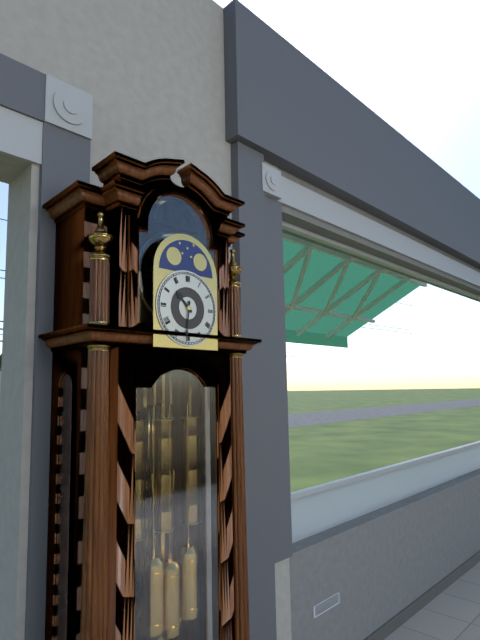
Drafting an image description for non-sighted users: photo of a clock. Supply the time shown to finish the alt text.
10:31
